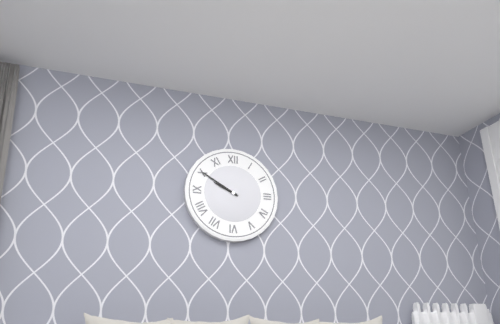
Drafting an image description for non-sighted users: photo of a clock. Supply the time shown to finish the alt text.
9:50
